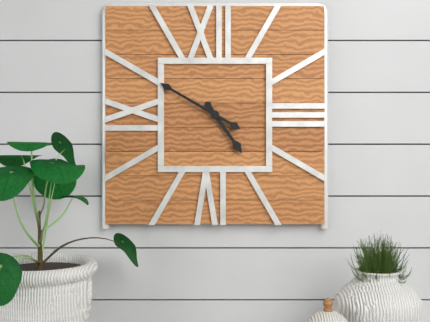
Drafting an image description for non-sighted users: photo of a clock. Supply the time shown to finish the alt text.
4:50
